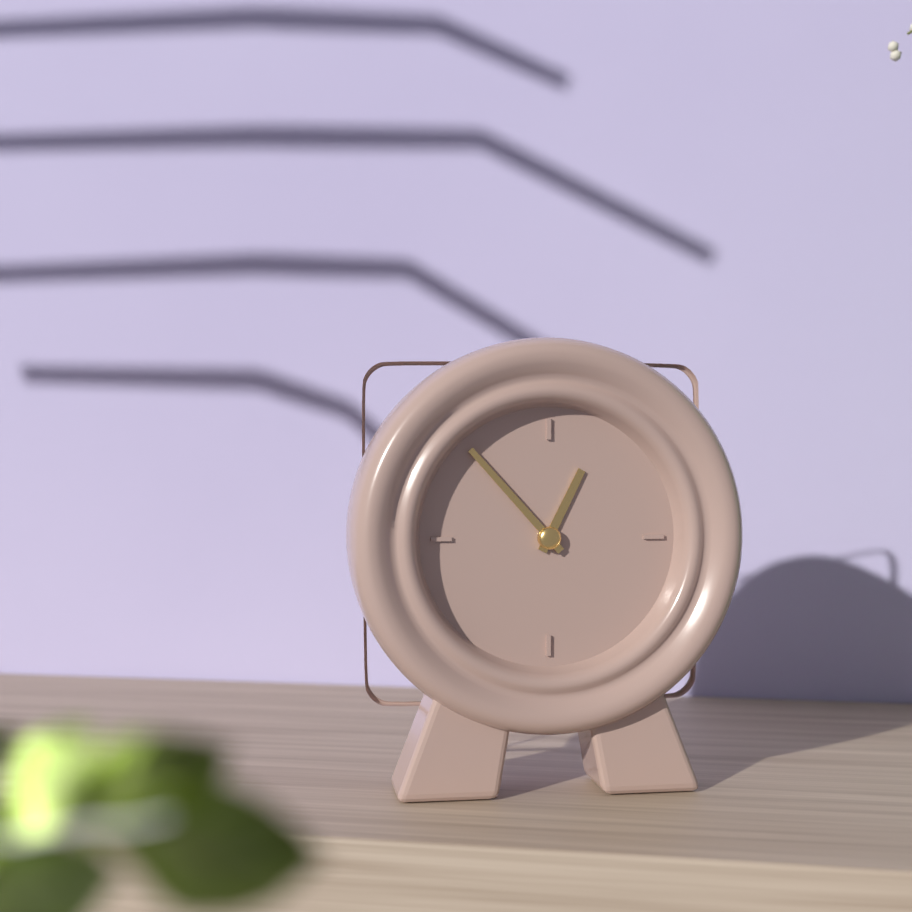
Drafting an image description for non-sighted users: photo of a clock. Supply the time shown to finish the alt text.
12:53
